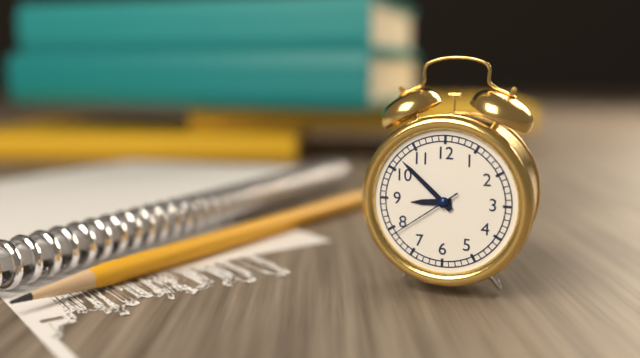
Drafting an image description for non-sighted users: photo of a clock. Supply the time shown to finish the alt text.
8:52:39
